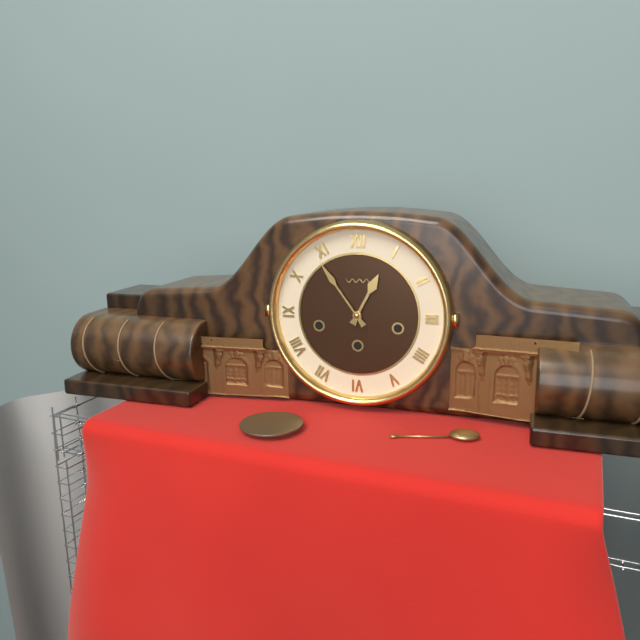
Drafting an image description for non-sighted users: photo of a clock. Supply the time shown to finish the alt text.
12:54
